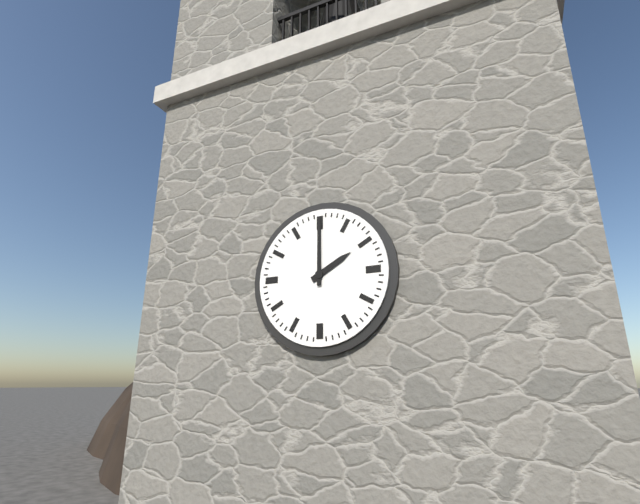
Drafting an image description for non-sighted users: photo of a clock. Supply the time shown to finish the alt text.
2:00
